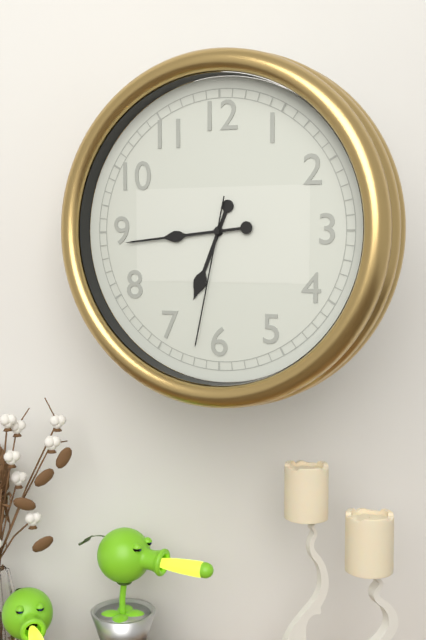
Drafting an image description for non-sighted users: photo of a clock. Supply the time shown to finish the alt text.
6:44:32
